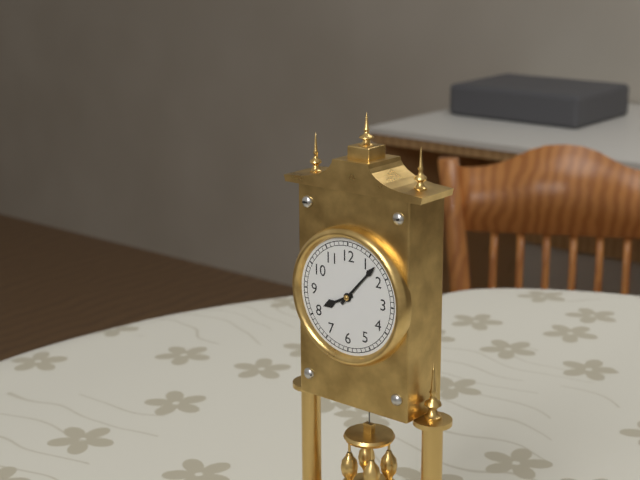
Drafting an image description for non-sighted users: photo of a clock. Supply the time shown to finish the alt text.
8:07
